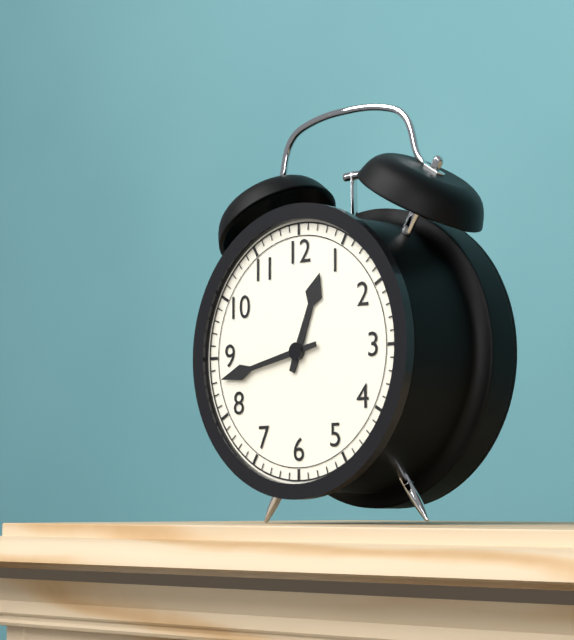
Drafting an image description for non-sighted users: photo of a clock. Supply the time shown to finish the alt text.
12:43
